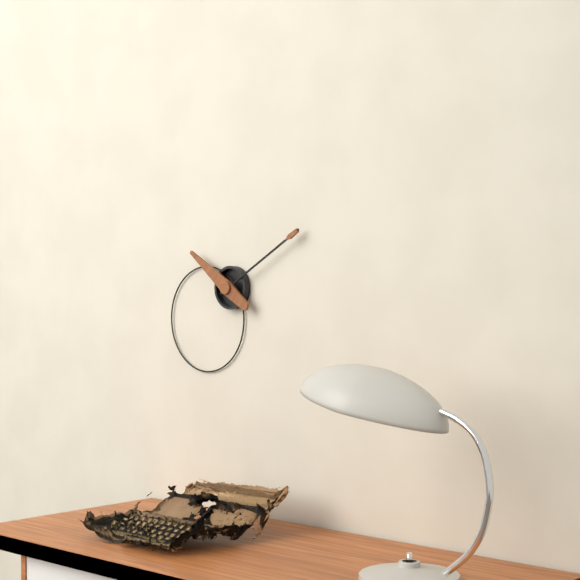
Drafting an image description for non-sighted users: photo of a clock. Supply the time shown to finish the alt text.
10:10
